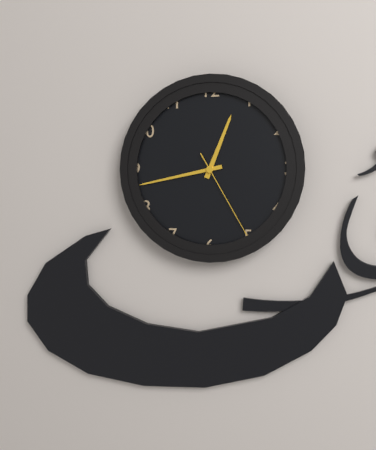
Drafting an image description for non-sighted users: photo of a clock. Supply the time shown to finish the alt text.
12:43:25
